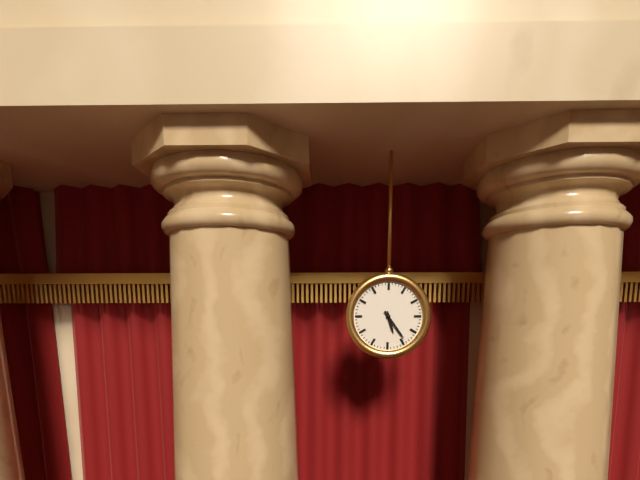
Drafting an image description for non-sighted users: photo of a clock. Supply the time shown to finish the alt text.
5:24
